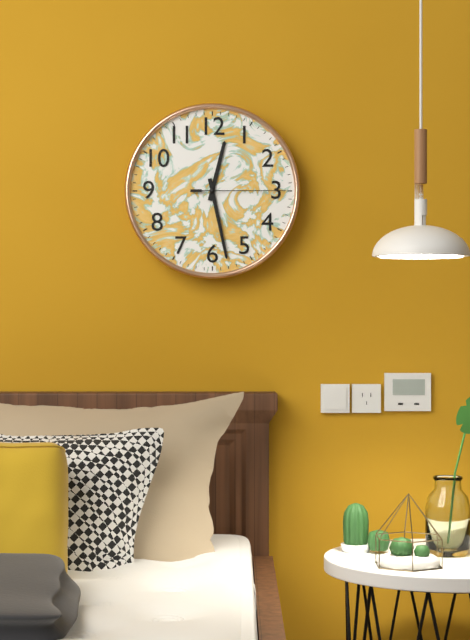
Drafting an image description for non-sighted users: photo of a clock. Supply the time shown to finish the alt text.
12:28:15
